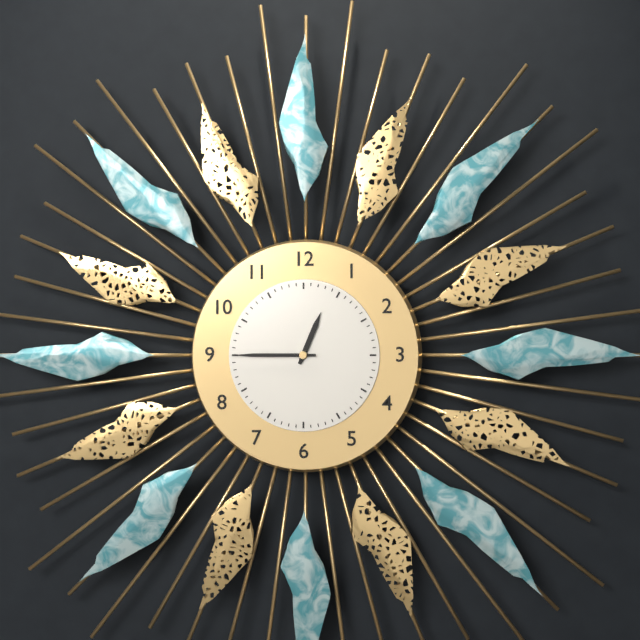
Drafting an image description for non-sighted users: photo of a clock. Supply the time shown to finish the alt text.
12:45
